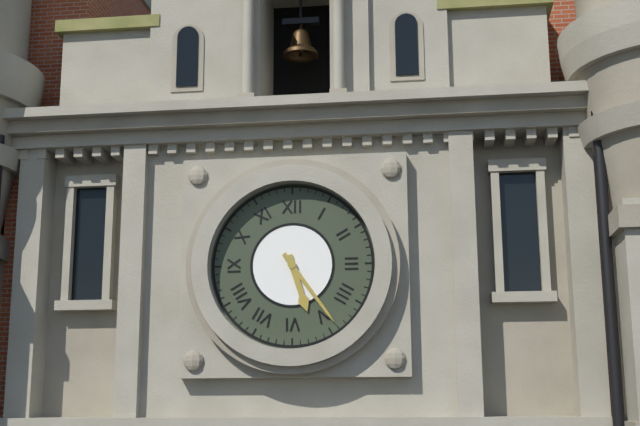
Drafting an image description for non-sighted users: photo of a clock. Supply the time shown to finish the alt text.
5:24
